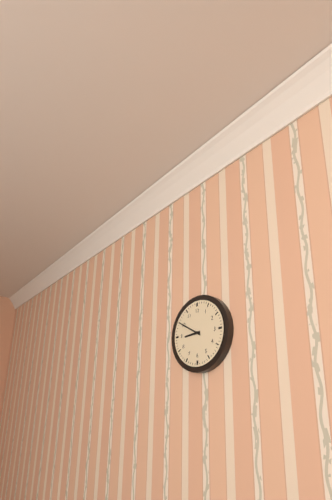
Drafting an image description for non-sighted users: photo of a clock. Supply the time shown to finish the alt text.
8:50
